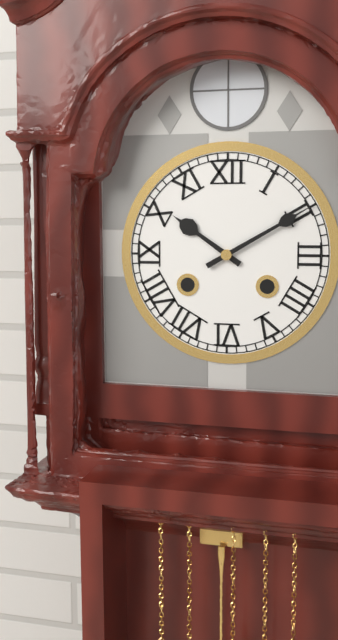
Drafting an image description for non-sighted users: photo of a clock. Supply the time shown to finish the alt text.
10:10
